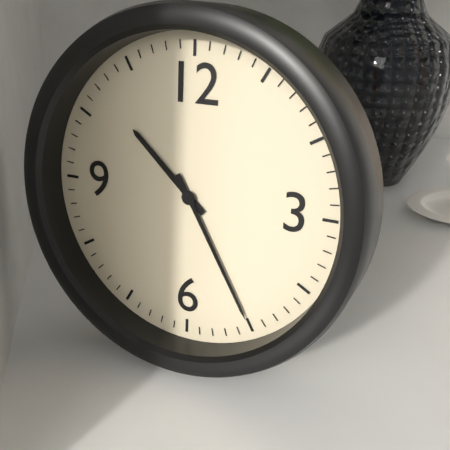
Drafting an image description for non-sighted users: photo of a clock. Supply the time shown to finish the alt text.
10:25
